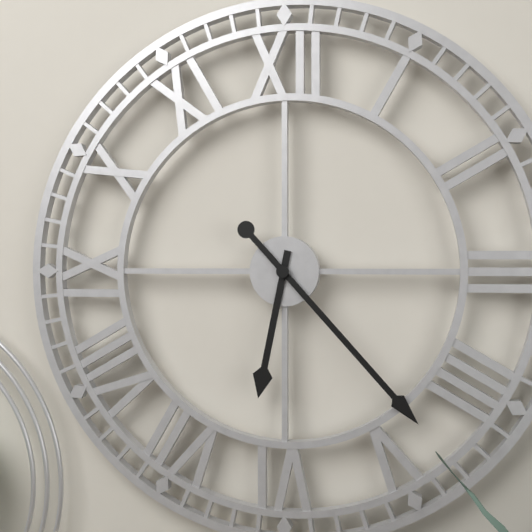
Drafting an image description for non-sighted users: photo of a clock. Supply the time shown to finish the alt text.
6:23
